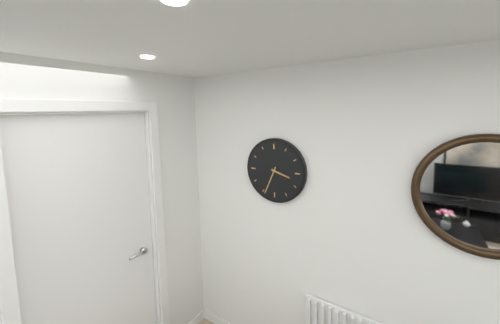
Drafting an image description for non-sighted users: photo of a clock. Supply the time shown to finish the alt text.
3:34
